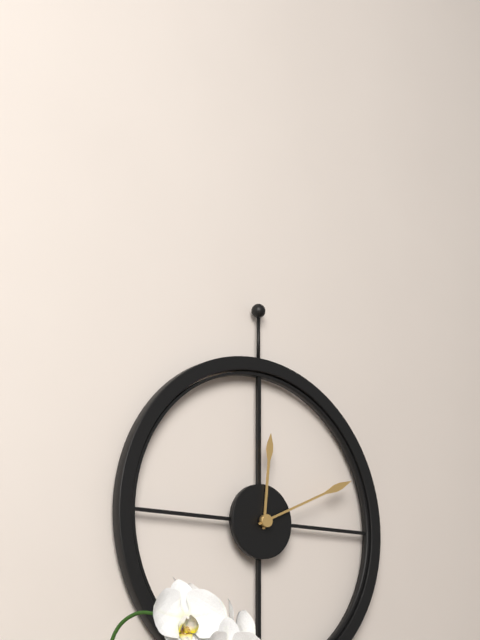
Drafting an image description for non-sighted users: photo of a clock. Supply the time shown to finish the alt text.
12:11
